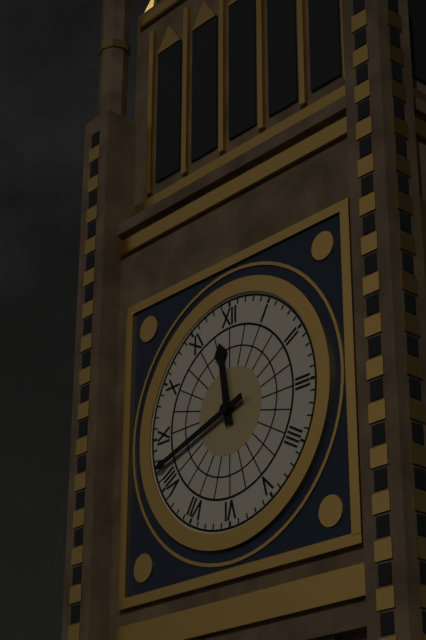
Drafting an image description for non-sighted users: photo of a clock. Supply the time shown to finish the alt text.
11:42
